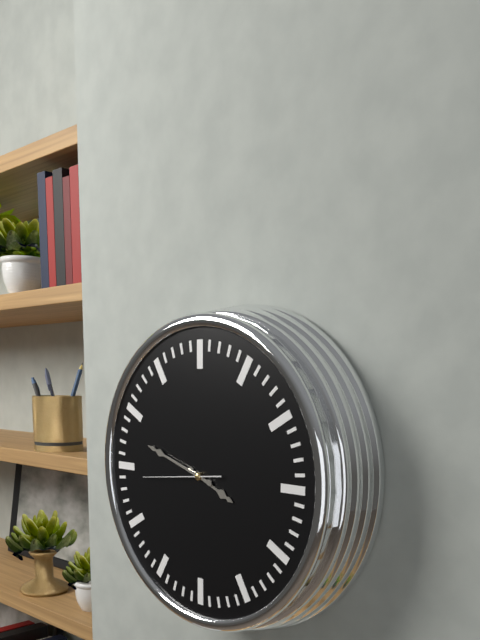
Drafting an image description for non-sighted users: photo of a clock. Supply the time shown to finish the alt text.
3:48:44
